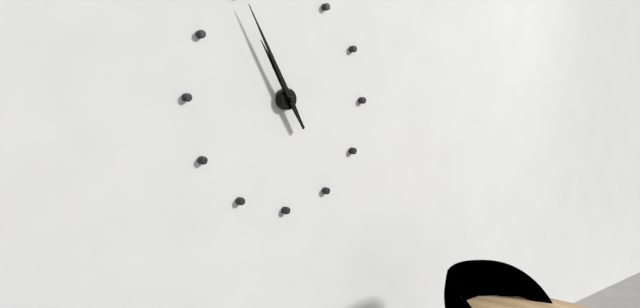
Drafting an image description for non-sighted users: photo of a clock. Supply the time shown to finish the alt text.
10:55
